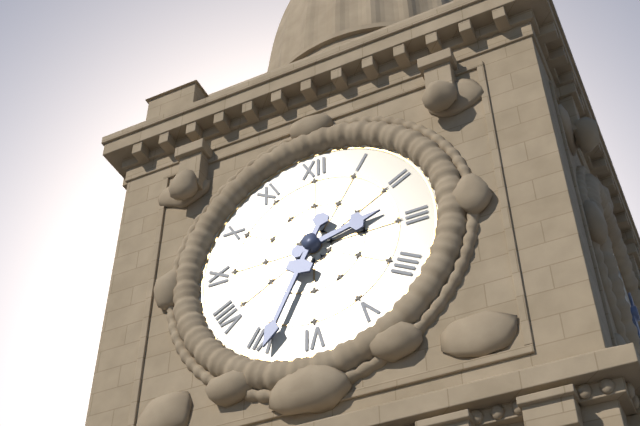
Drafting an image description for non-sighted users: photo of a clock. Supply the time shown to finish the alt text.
2:34
